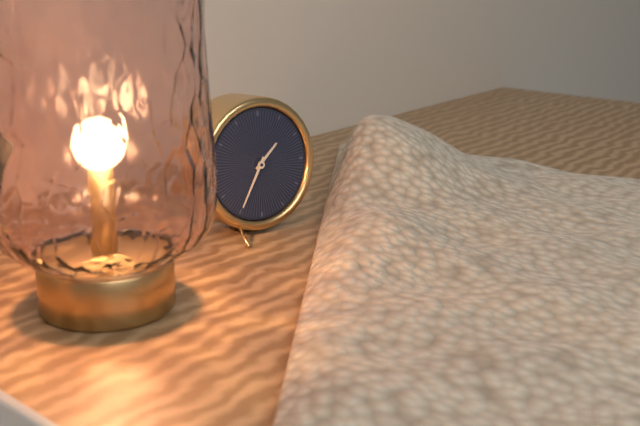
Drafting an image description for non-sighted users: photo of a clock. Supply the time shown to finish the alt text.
1:35
